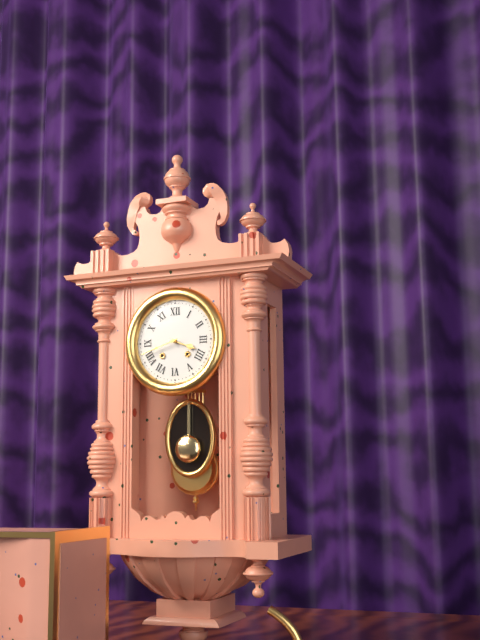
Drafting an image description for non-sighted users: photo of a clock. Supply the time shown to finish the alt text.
3:42
